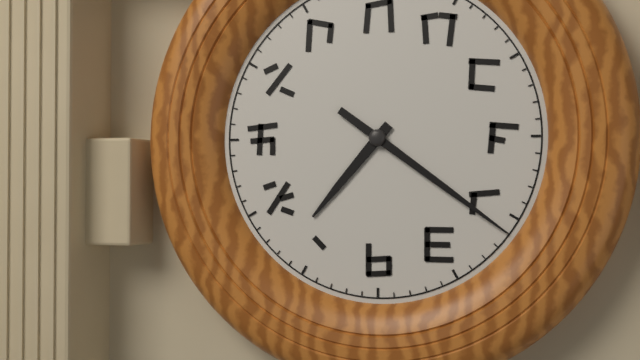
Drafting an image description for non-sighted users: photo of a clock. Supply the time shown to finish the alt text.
7:21
